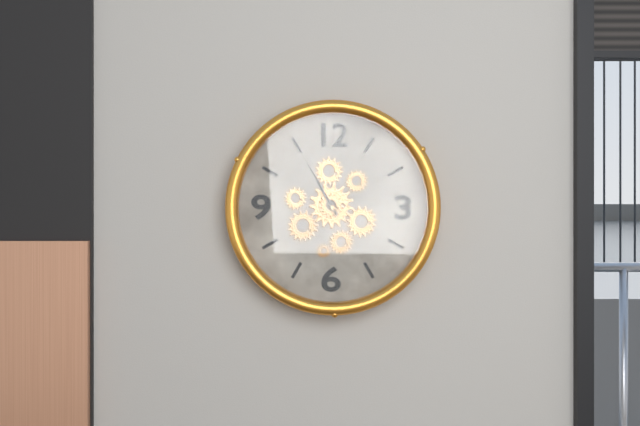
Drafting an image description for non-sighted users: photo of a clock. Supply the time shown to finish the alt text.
10:55
